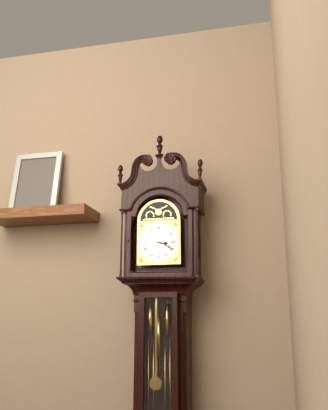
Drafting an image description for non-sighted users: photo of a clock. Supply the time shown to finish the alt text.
3:19
